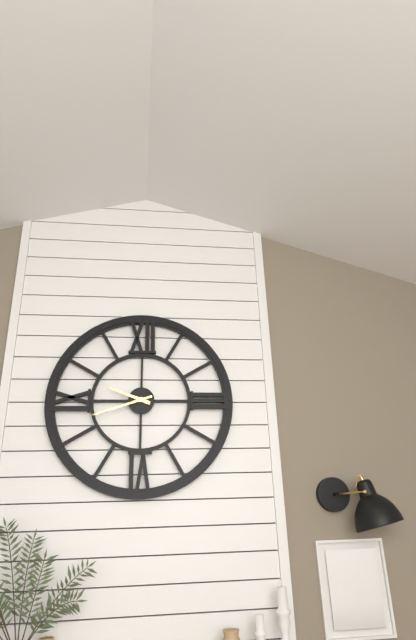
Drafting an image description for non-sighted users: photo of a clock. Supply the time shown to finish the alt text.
9:42
